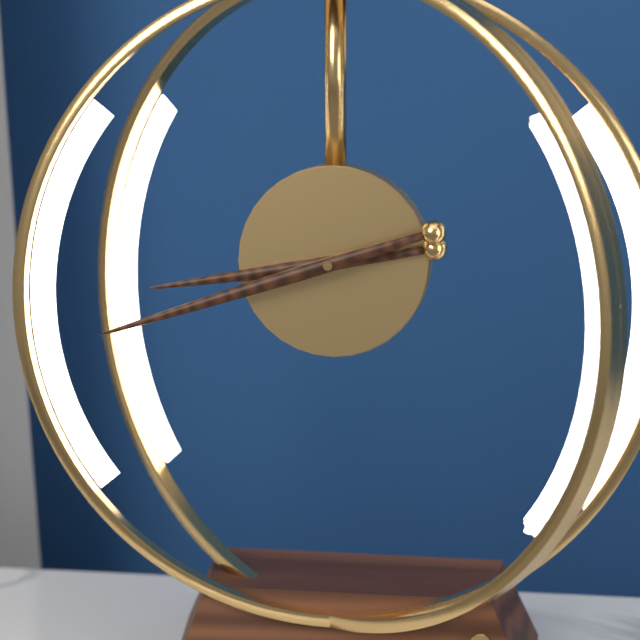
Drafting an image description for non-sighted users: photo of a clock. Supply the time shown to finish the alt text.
8:42
